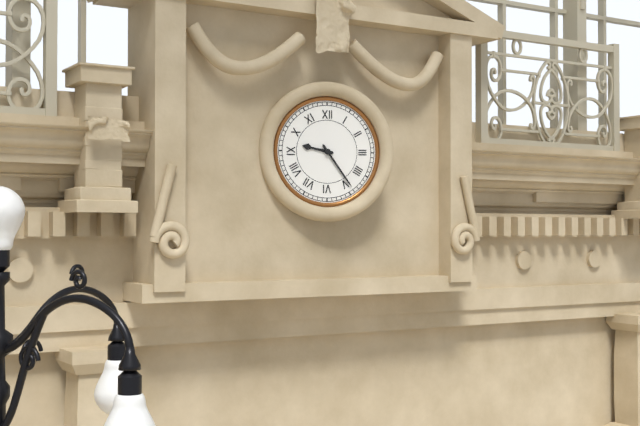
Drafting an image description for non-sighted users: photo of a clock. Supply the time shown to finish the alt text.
9:24
